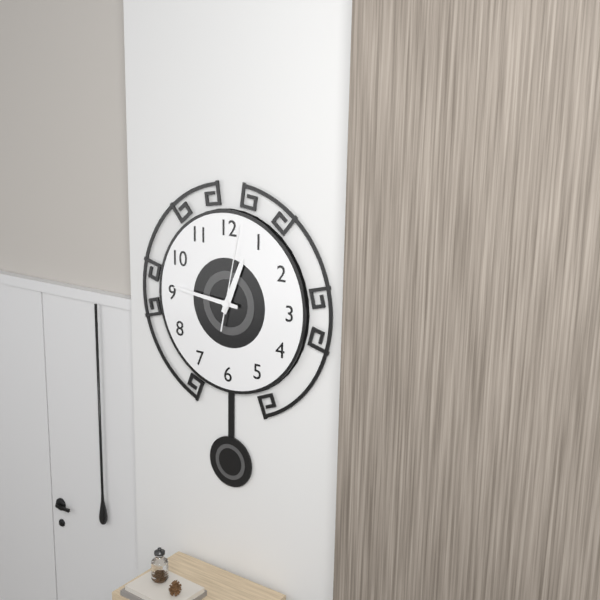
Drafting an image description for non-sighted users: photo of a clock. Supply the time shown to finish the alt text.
12:46:02
